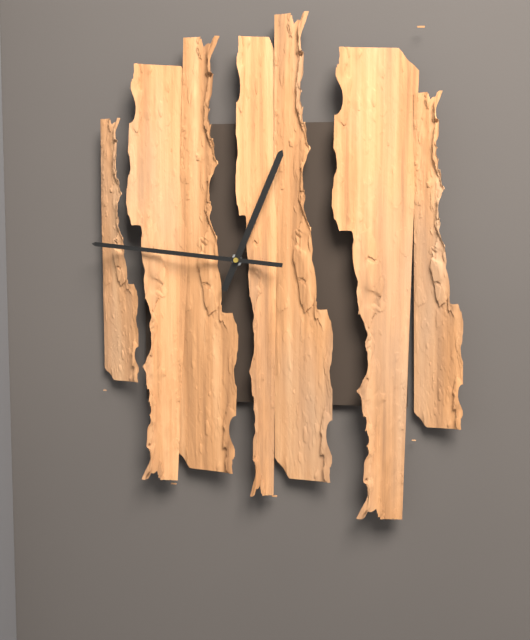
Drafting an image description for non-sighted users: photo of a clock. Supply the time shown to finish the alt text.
12:46
